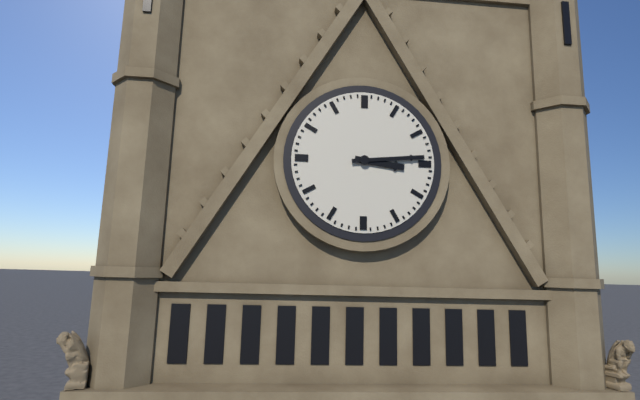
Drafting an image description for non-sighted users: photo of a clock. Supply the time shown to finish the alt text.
3:14
